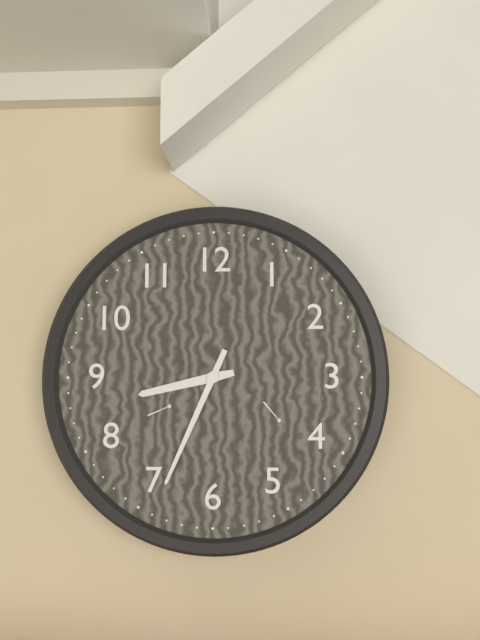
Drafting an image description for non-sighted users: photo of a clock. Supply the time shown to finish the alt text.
8:34
